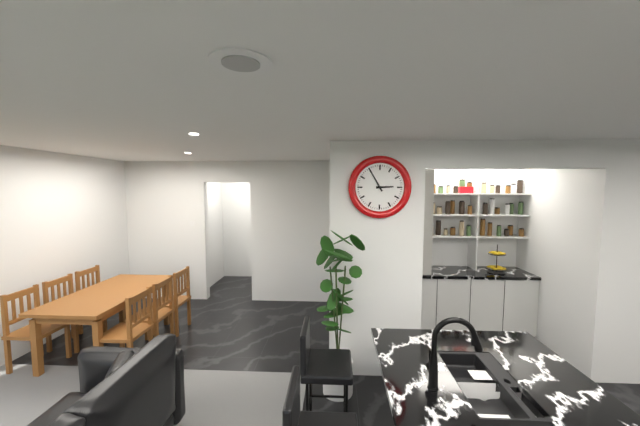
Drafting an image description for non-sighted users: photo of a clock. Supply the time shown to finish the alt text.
2:55
